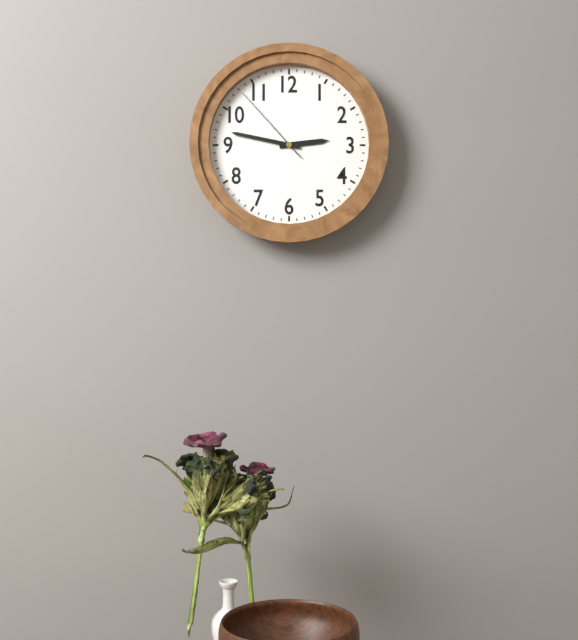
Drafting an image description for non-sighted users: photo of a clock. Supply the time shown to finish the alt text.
2:47:53
